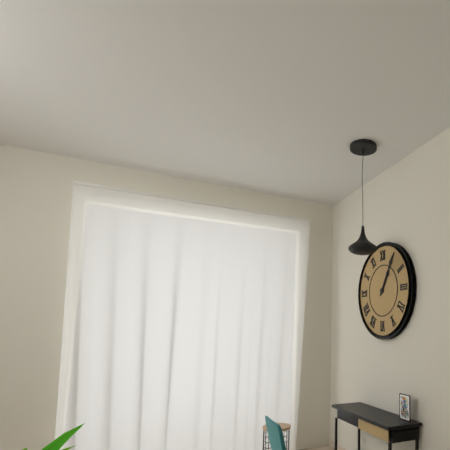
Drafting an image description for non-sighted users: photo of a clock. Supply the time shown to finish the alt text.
1:05
